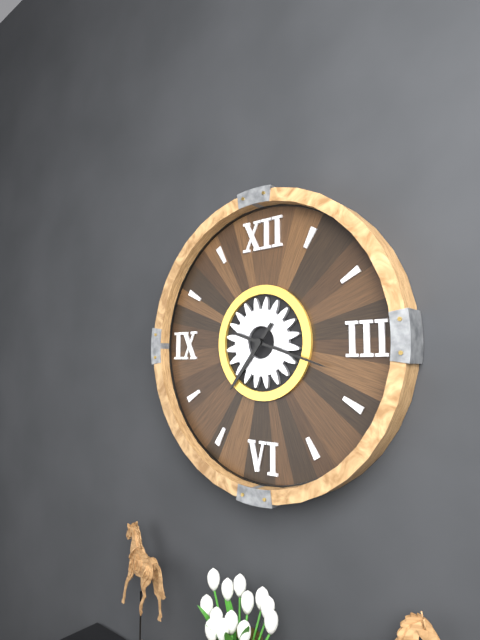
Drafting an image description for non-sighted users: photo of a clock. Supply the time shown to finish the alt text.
7:18
